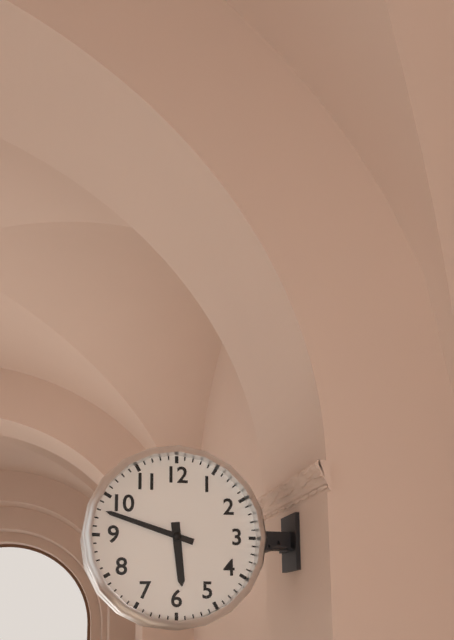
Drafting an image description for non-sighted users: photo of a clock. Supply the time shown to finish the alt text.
5:48
